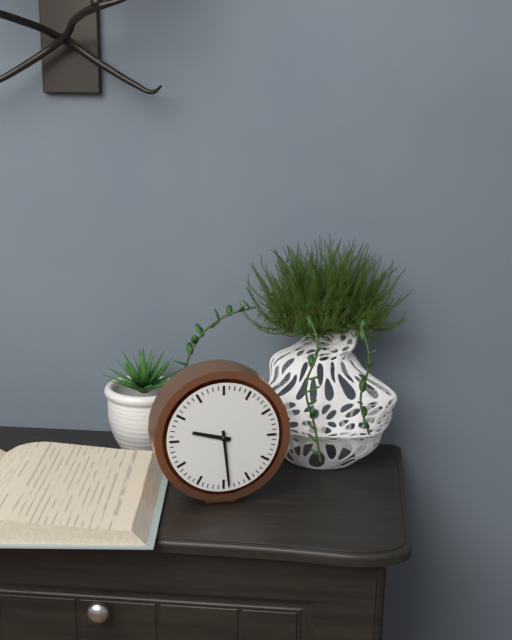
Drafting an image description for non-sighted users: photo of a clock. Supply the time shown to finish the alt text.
9:29
